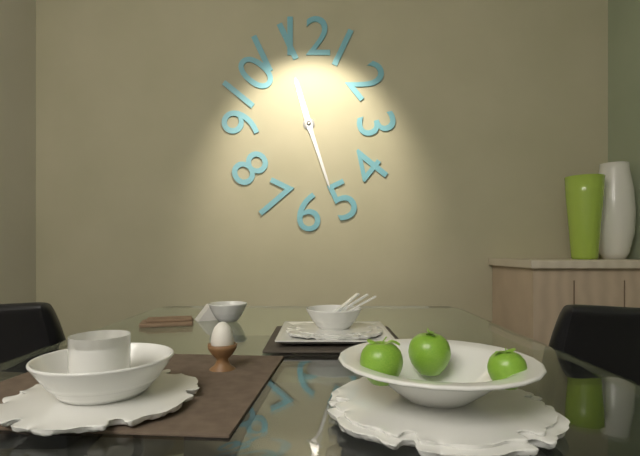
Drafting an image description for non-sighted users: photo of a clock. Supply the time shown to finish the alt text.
11:27
